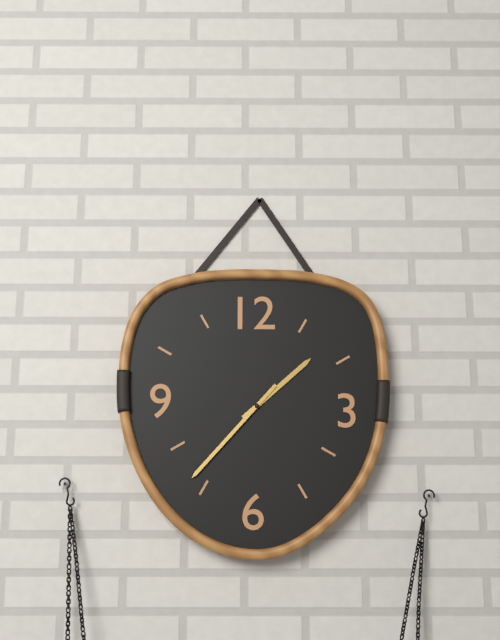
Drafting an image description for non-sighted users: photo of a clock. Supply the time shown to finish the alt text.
1:37
